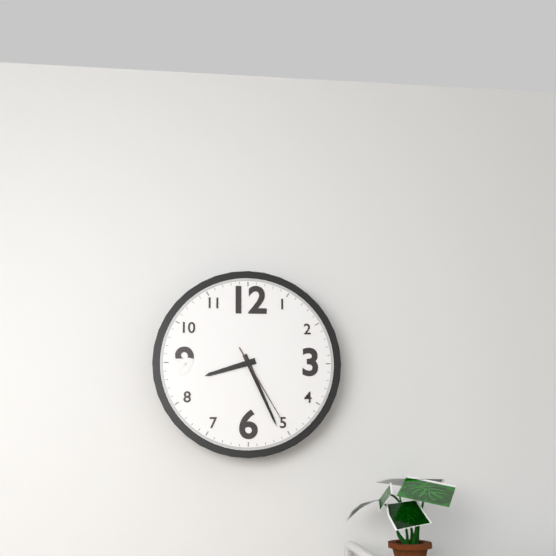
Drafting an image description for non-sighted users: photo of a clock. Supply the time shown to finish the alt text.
8:26:25
